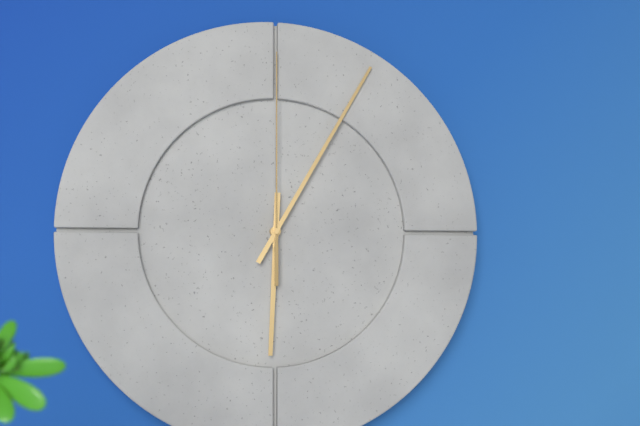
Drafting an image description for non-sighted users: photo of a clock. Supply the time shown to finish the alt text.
6:05:00
